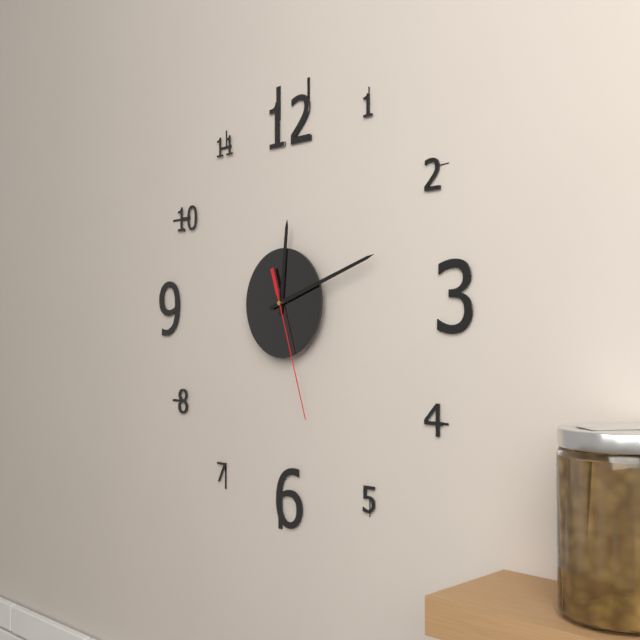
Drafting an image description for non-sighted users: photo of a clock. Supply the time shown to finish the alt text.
12:12:27
